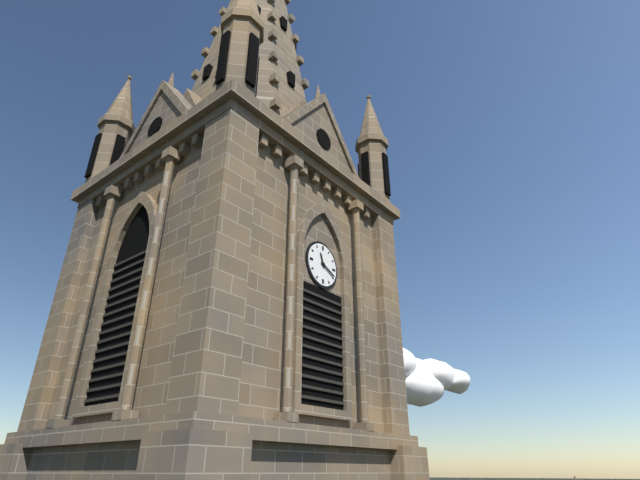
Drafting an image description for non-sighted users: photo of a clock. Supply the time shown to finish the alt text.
11:19
